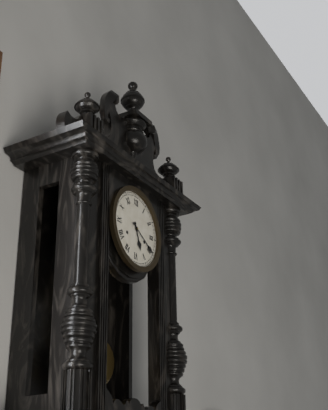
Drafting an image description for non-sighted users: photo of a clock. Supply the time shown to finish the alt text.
5:20
